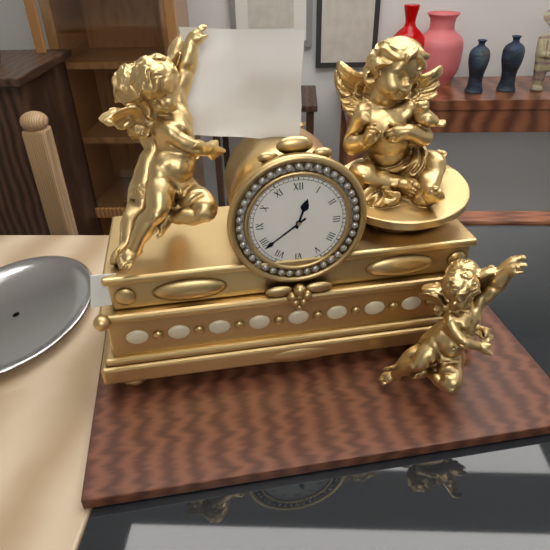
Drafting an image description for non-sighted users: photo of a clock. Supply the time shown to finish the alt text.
12:39
